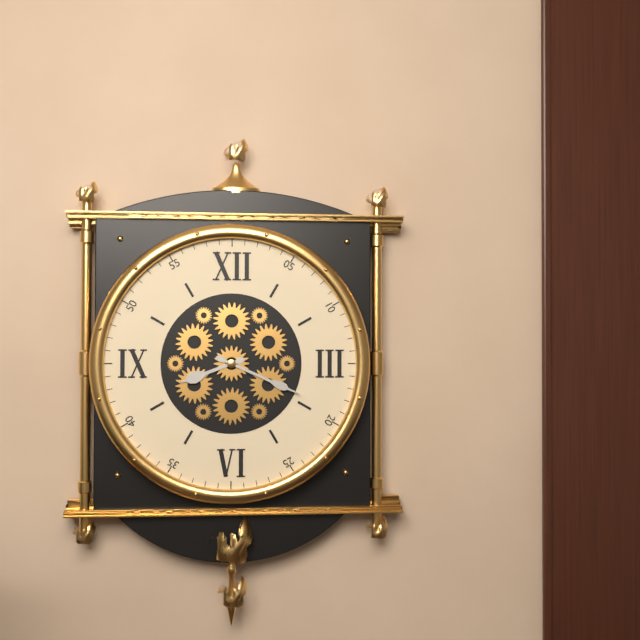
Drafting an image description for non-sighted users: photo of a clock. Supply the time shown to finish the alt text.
8:19
